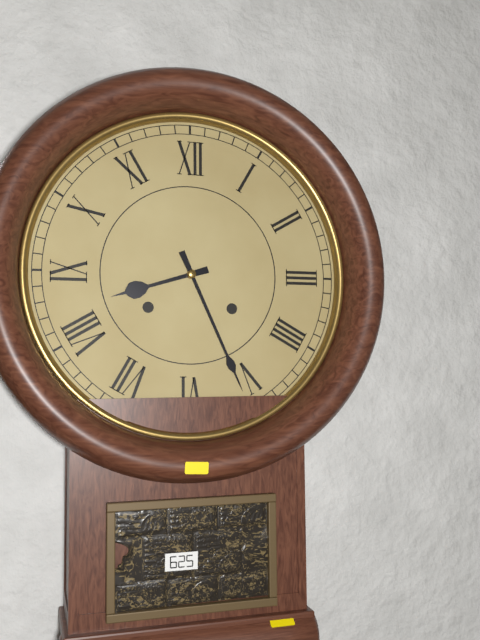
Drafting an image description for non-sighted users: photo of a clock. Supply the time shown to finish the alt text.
8:26
